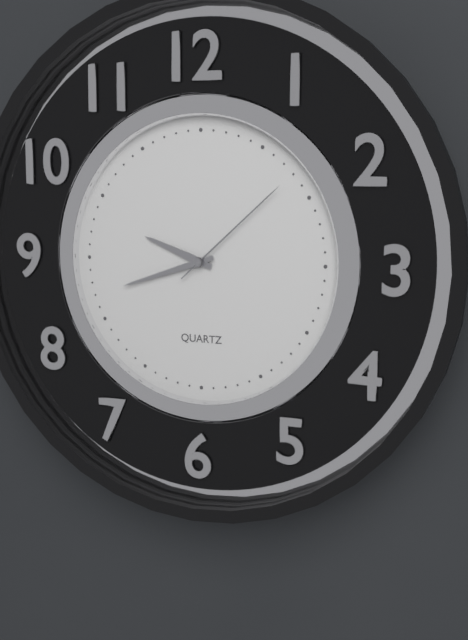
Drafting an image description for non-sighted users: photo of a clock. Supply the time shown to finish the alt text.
9:42:08
